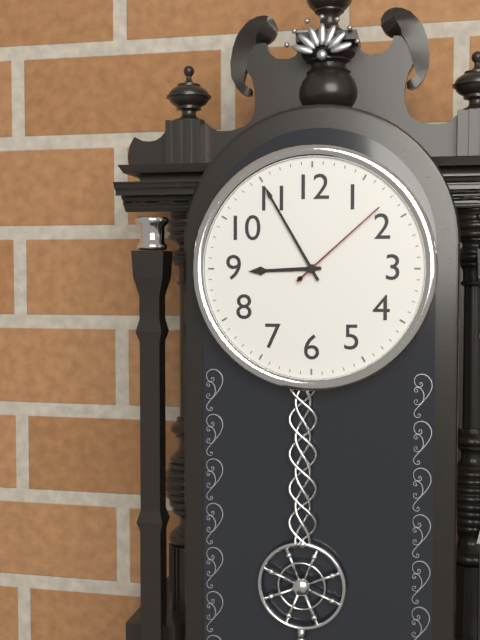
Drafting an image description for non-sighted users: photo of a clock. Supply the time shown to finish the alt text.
8:55:08
